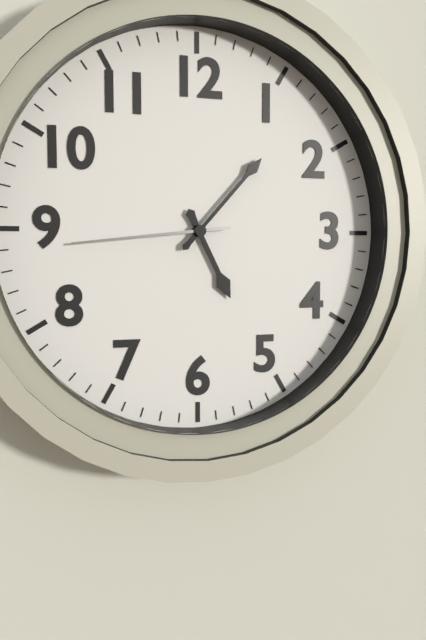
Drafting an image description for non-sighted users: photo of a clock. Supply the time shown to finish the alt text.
5:07:44
